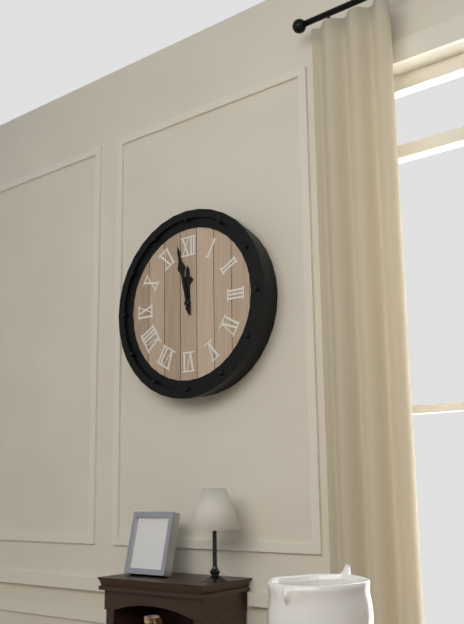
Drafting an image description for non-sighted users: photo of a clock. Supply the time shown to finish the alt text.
11:58
